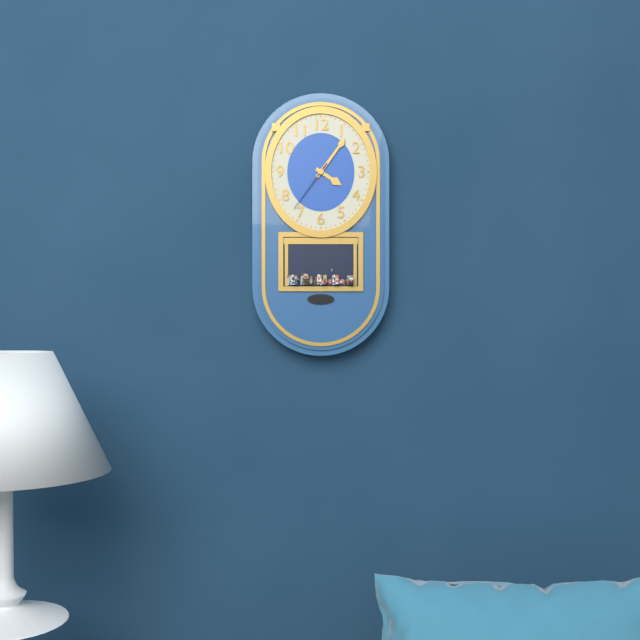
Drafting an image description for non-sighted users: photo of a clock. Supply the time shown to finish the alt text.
4:06:36
